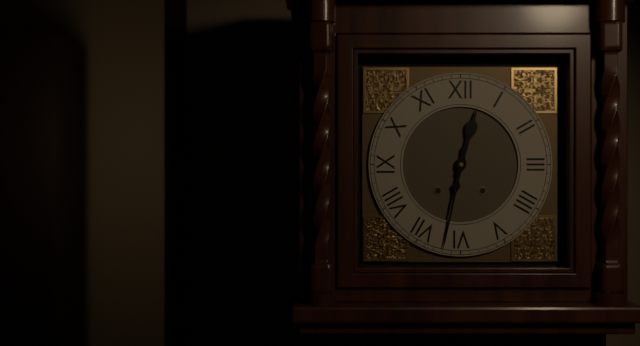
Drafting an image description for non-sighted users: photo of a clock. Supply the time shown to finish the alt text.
12:32
